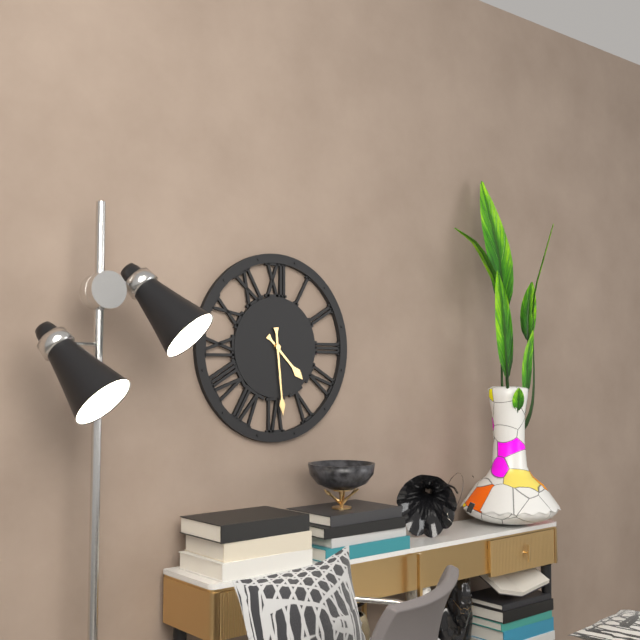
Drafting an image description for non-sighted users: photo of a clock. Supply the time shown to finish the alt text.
4:29
